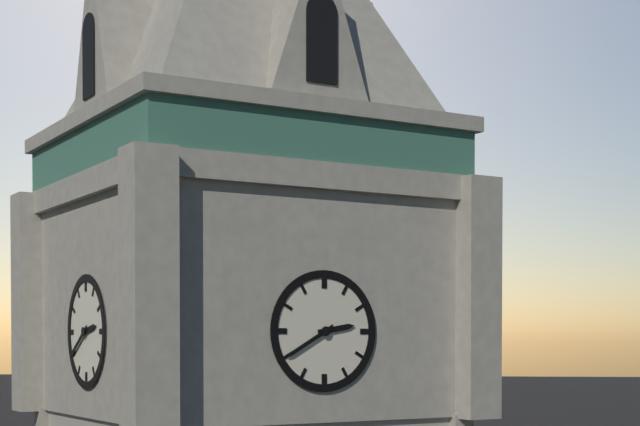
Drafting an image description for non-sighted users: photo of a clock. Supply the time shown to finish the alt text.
2:40
